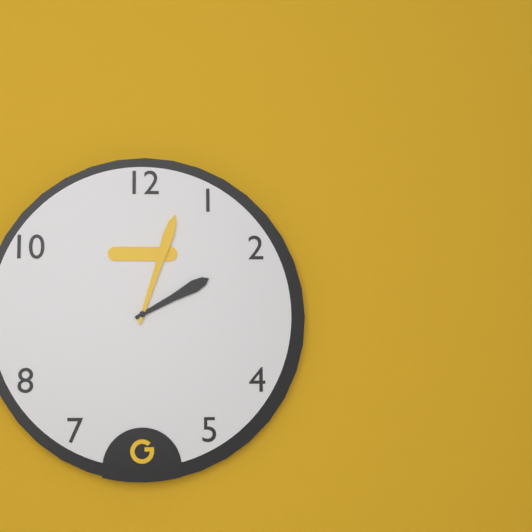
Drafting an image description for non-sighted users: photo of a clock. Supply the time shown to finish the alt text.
2:03
